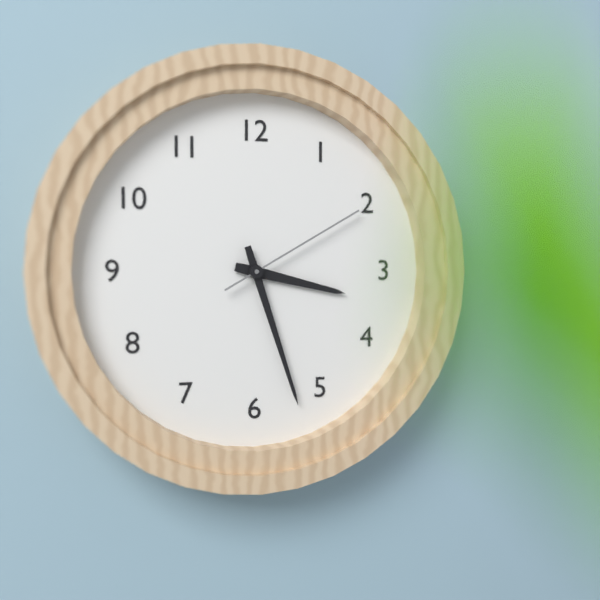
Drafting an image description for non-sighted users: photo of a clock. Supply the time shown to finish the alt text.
3:27:10
